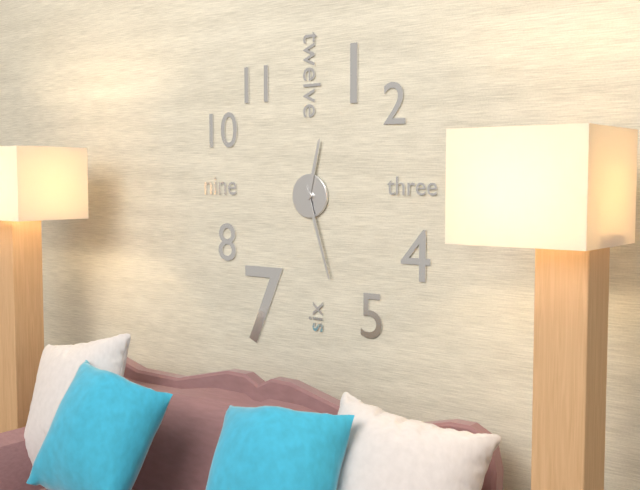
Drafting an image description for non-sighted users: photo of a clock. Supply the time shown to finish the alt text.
12:27
